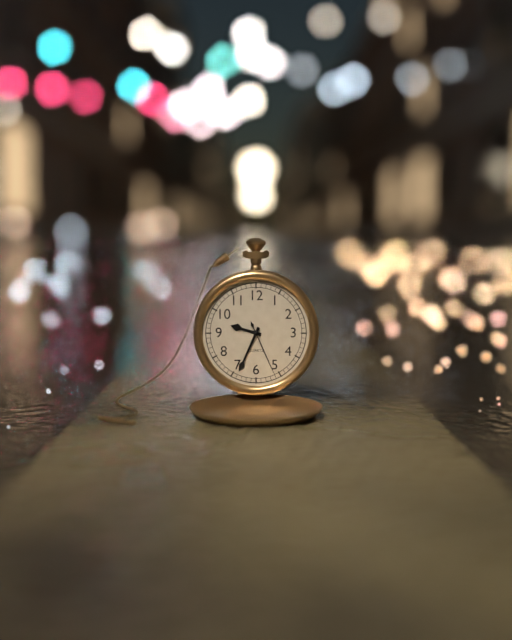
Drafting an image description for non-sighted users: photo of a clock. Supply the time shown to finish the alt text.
9:34:26
